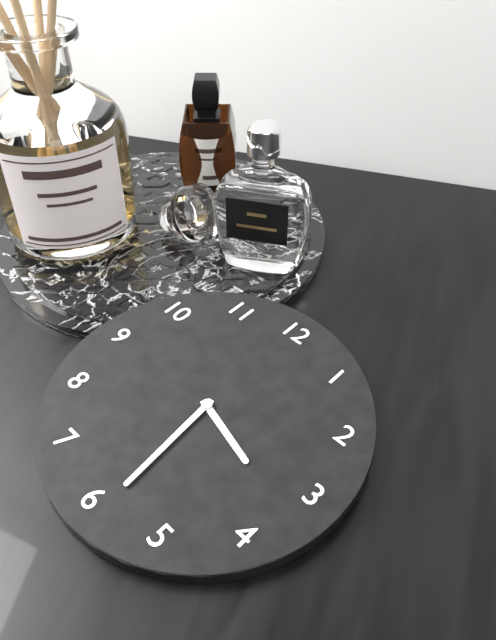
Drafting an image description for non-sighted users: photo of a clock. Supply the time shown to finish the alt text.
3:29
